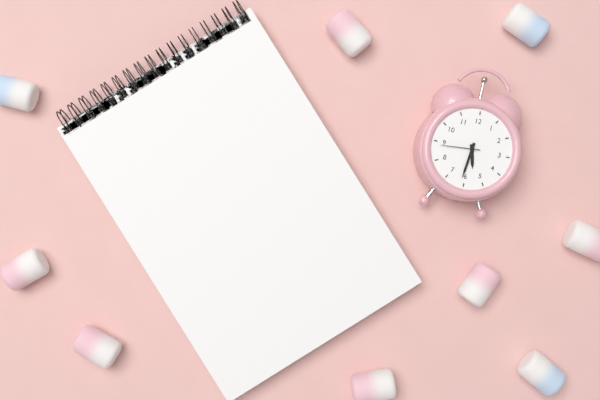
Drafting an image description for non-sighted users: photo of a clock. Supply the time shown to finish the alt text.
5:31
